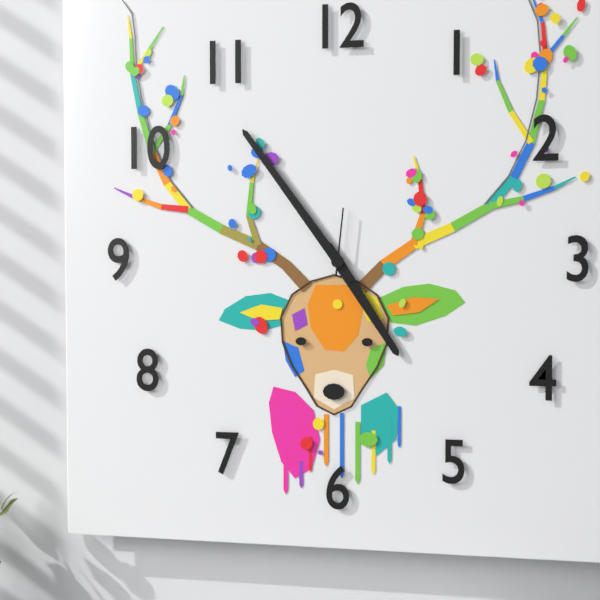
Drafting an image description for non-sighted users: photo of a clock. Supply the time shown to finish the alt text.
4:54:01
